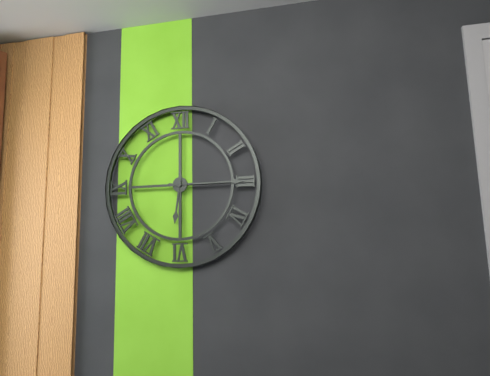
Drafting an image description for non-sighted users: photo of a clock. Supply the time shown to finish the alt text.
6:15
